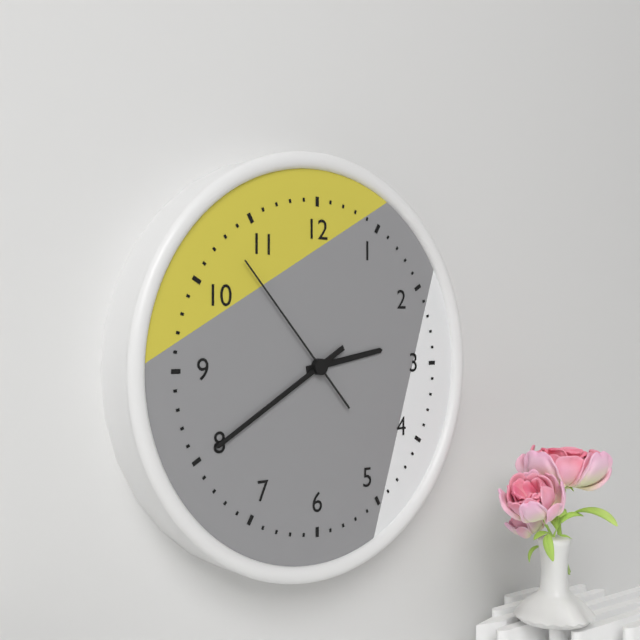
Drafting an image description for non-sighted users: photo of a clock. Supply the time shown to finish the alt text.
2:40:53
